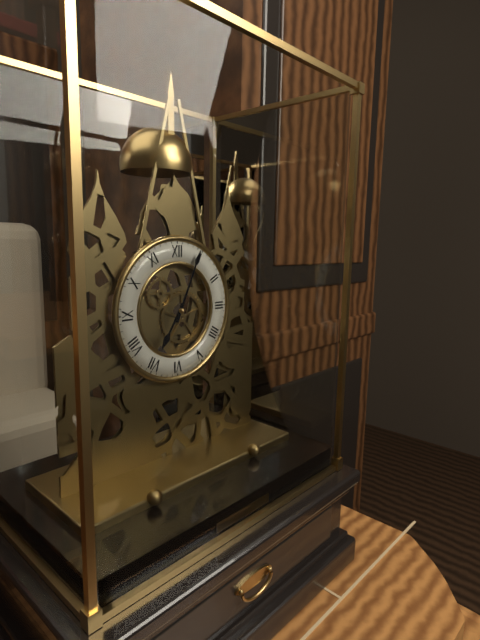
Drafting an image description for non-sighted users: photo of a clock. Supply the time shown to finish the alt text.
7:04
